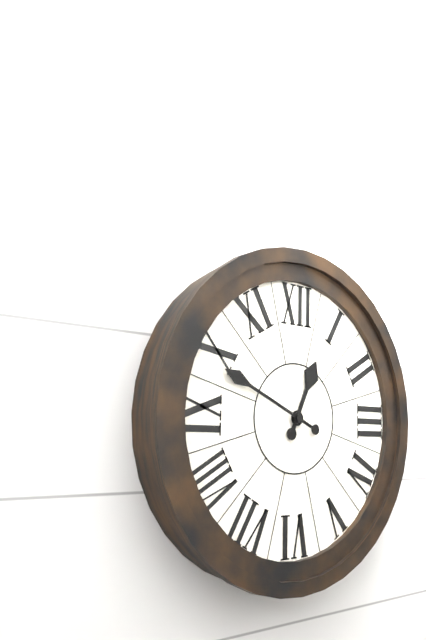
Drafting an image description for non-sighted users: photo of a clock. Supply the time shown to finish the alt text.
12:49
